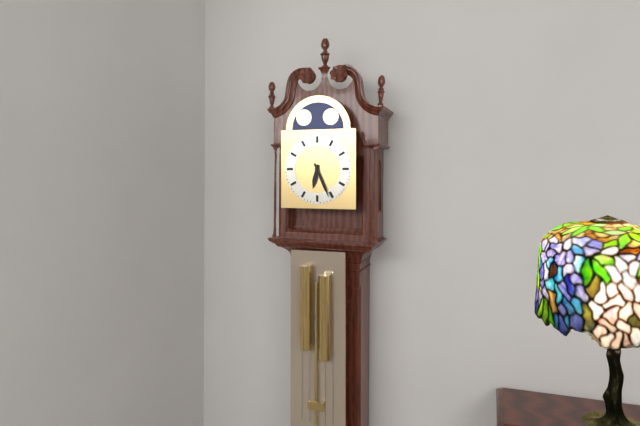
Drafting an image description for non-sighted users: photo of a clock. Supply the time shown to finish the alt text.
6:26
